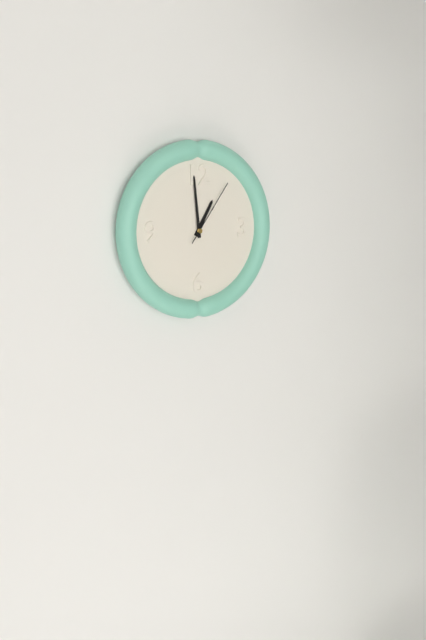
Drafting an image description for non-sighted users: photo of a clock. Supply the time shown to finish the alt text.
12:59:06
